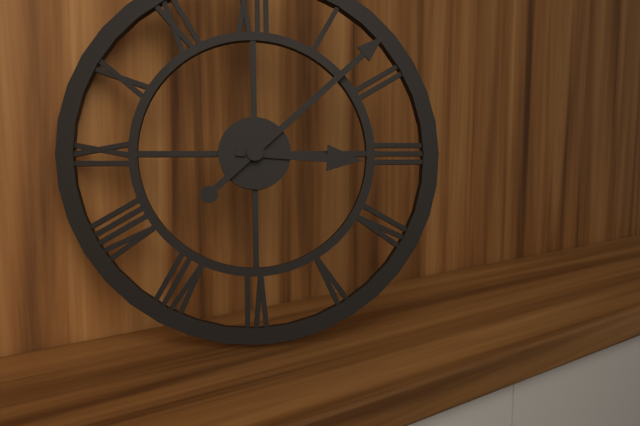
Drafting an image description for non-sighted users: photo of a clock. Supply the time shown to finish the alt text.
3:08
